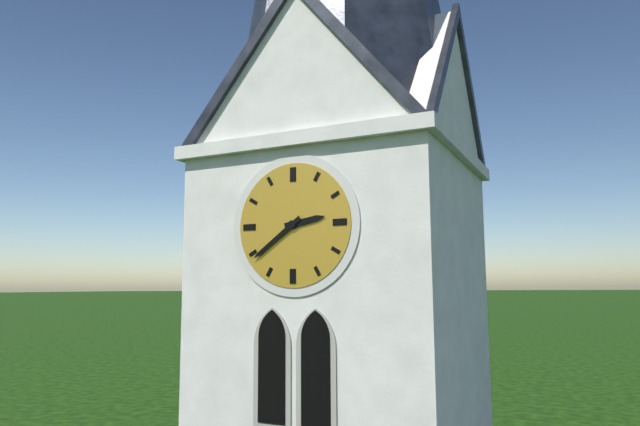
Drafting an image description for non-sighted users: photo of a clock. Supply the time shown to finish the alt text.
2:39
